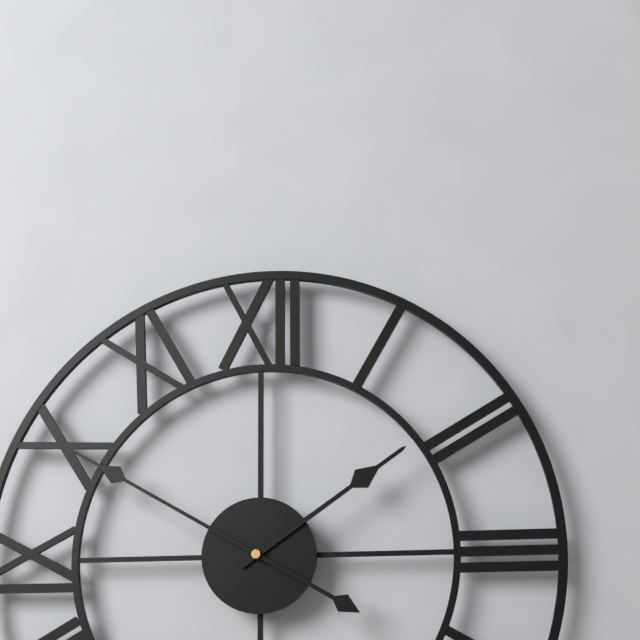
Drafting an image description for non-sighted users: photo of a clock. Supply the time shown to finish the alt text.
1:50
